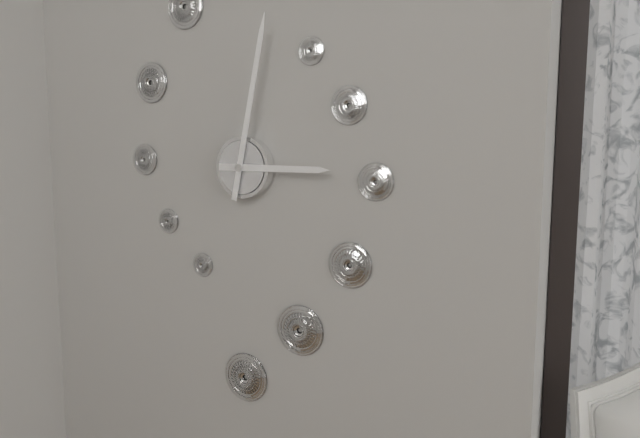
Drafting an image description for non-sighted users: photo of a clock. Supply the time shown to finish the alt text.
3:02
